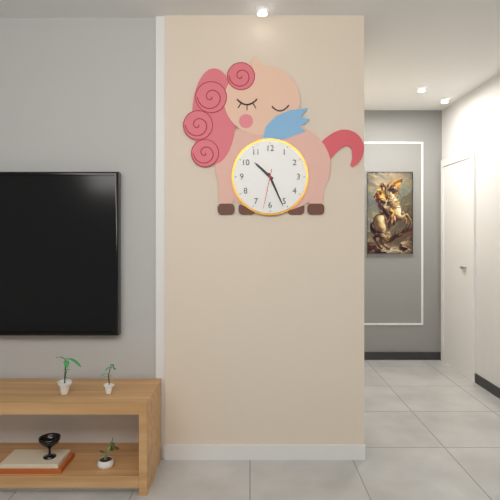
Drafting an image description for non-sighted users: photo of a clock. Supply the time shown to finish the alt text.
10:26
